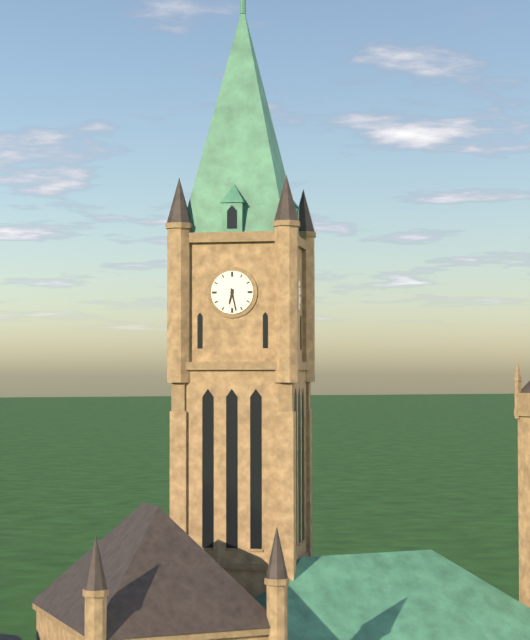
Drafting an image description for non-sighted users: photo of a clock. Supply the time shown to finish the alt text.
6:28
